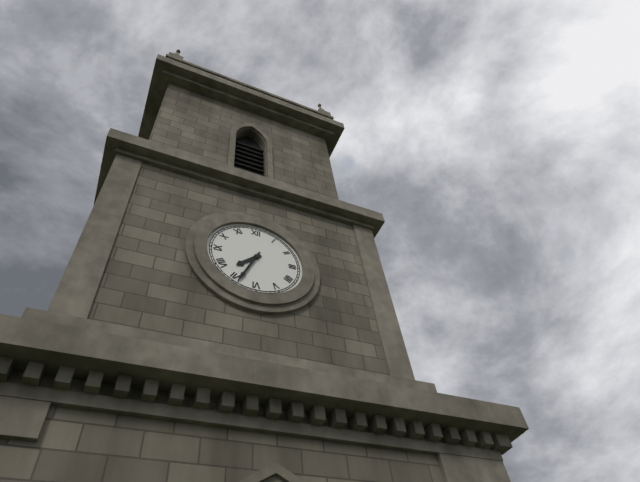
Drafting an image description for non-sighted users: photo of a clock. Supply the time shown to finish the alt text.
7:34
